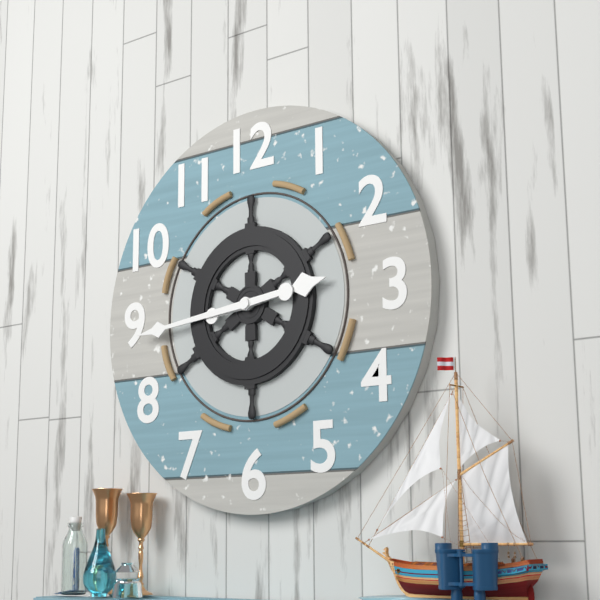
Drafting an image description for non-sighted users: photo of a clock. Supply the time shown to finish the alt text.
2:44
